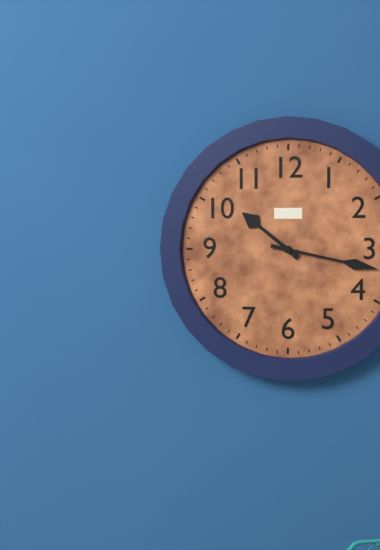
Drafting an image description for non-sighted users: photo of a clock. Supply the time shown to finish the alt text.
10:17
